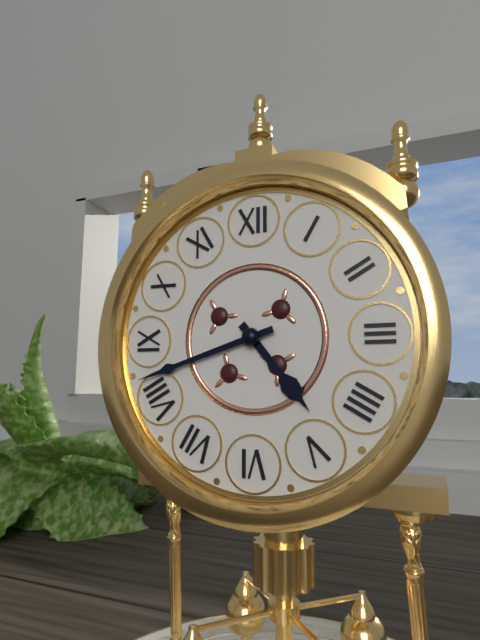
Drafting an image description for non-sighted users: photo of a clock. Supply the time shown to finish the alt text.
4:42
